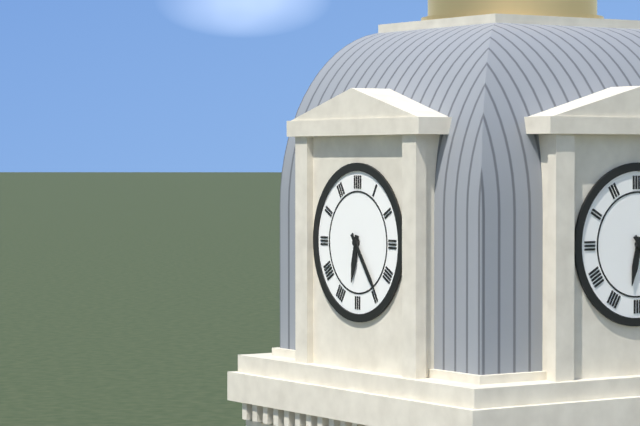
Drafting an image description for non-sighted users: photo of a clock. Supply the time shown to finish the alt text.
6:24
